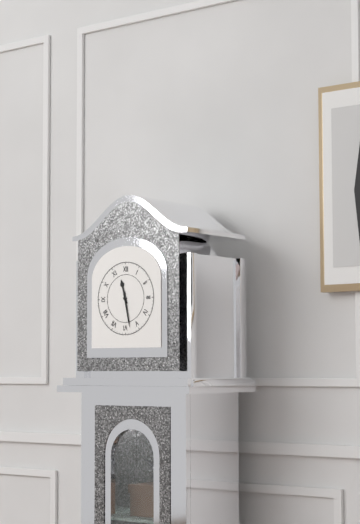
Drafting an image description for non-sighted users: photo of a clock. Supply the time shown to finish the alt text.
11:28
